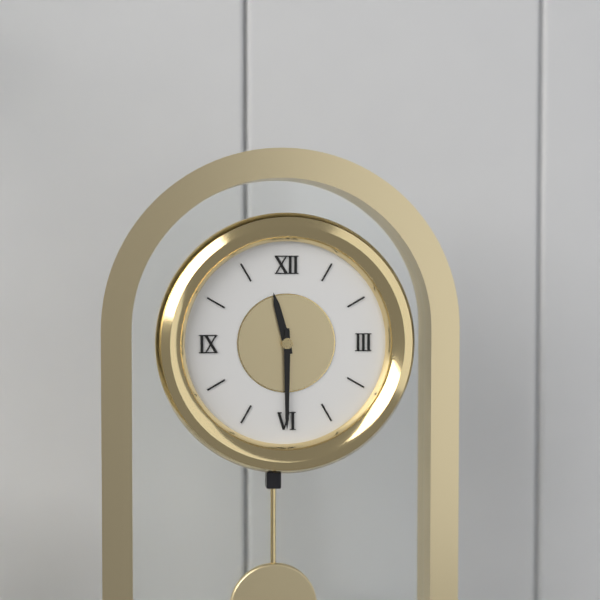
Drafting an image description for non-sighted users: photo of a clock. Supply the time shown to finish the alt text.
11:30
